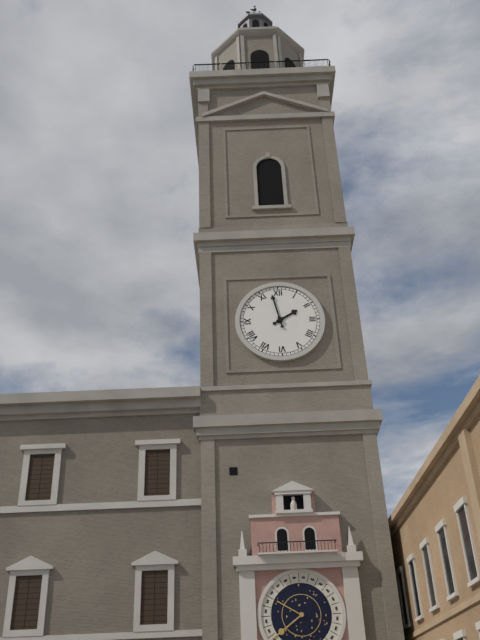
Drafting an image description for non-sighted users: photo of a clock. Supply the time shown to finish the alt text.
1:58
